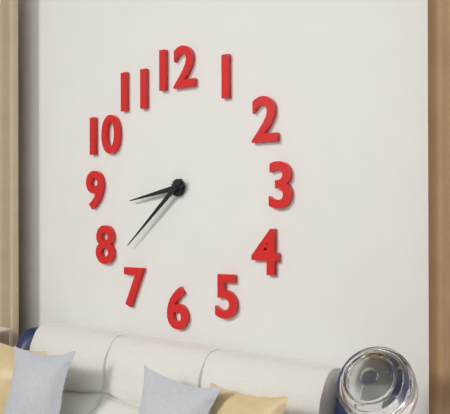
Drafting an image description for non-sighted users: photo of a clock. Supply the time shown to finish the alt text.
8:38
